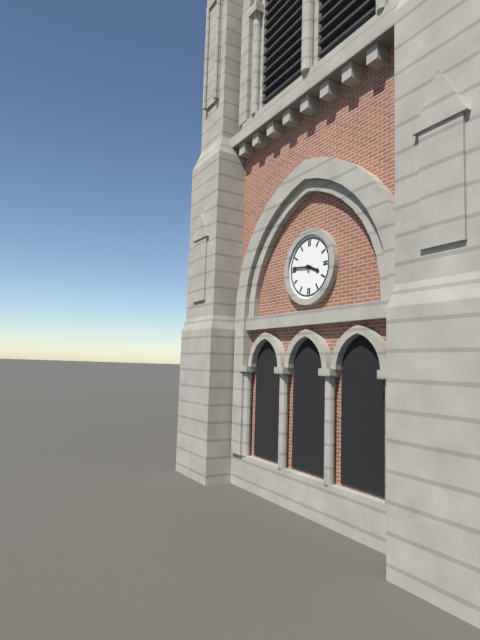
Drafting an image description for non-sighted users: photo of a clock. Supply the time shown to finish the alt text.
3:46
